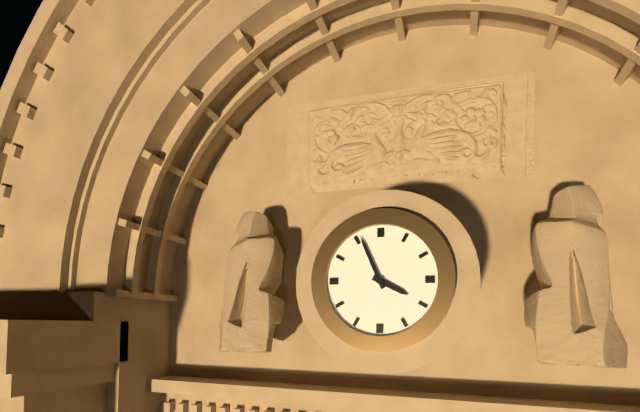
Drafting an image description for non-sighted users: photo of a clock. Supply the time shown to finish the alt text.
3:56
